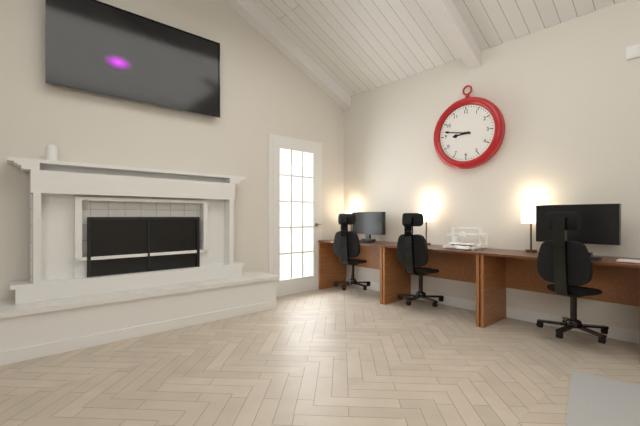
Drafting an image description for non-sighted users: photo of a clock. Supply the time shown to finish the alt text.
8:47
